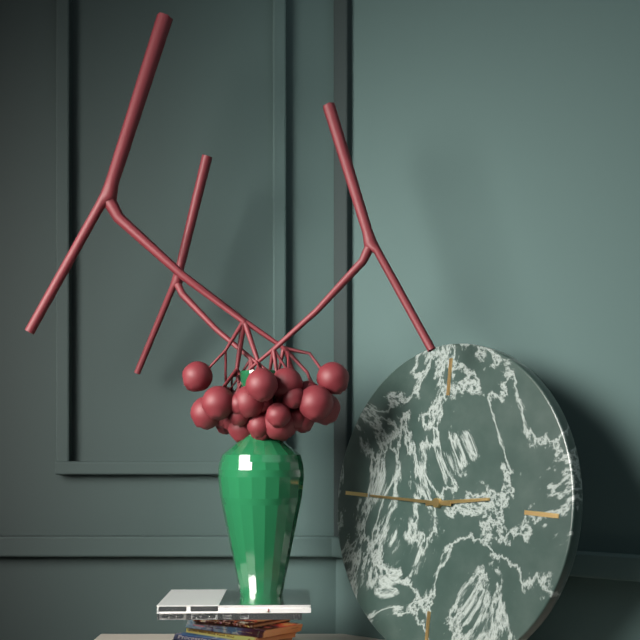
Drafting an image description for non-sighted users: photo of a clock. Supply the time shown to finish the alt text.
2:45
